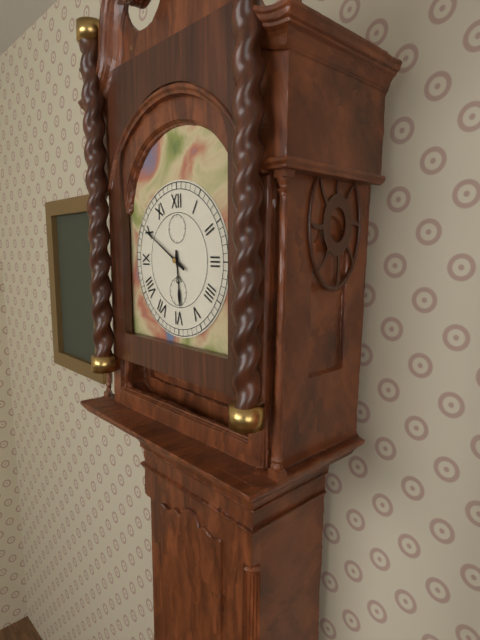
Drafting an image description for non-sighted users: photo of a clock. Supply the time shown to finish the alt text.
5:50
